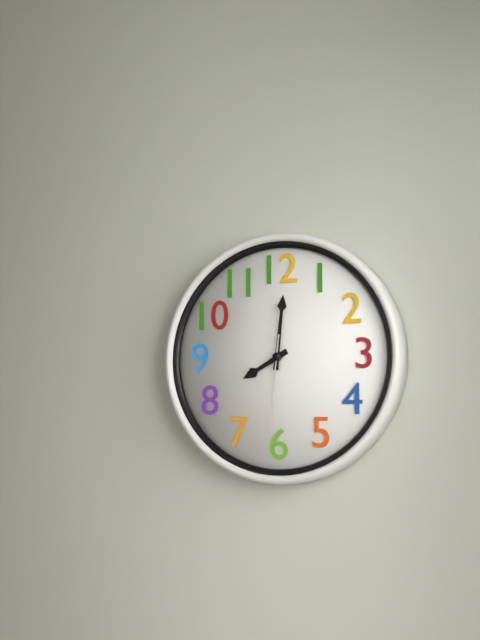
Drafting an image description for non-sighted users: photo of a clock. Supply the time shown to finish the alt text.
8:01:31
